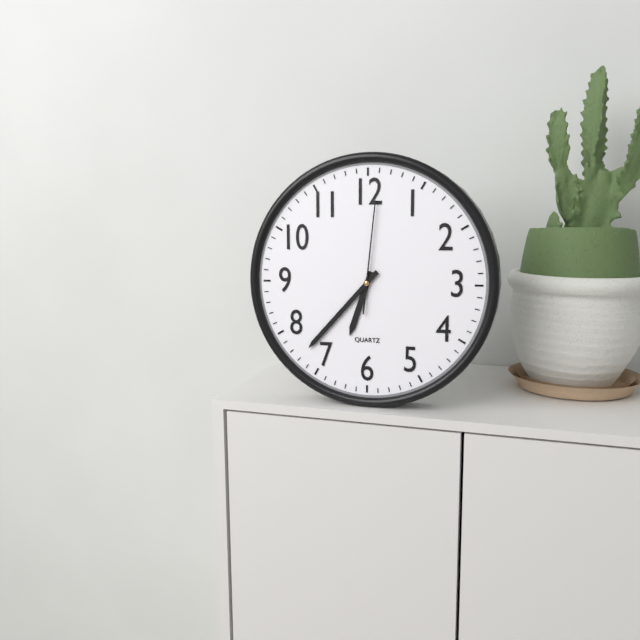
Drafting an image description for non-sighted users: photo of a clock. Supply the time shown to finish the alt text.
6:37:01
